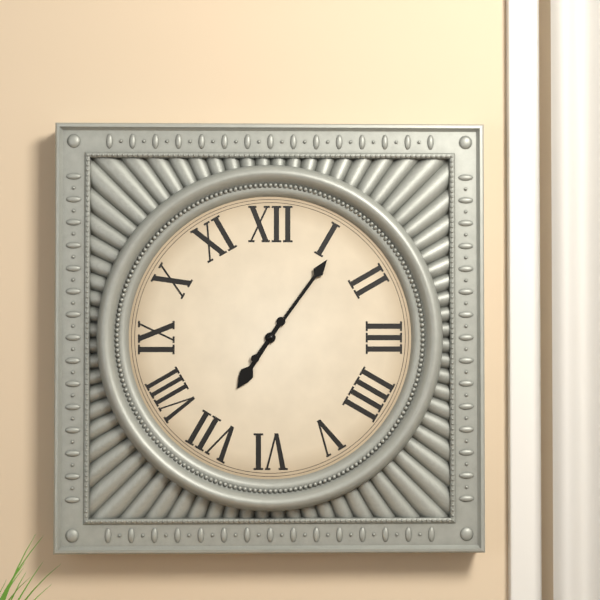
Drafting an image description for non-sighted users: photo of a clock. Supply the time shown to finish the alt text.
7:06
